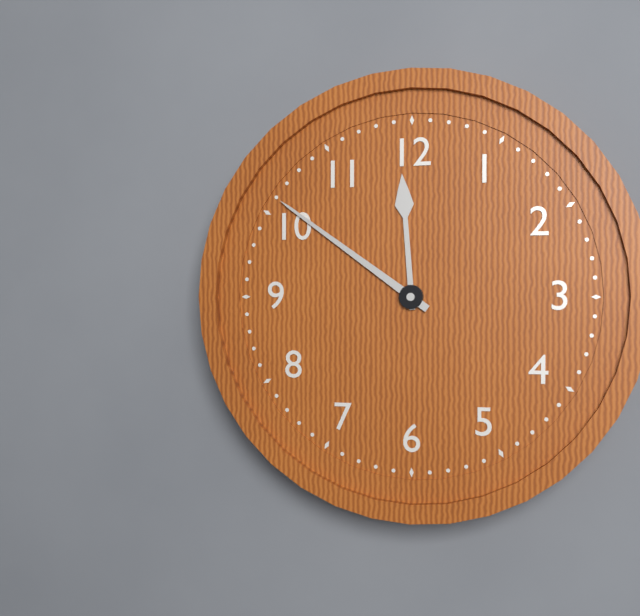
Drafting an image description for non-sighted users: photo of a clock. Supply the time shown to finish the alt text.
11:51
